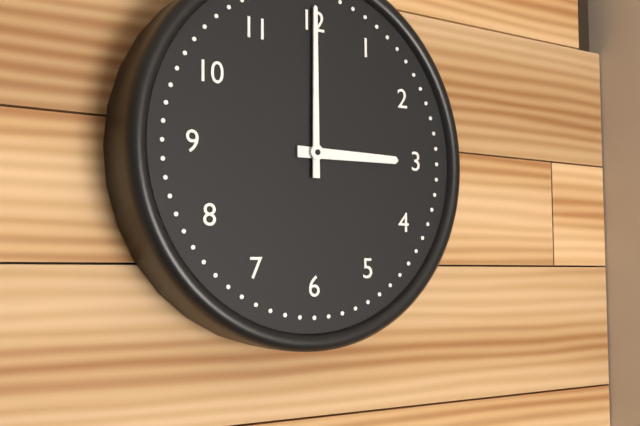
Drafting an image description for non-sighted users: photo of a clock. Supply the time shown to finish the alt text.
3:00
